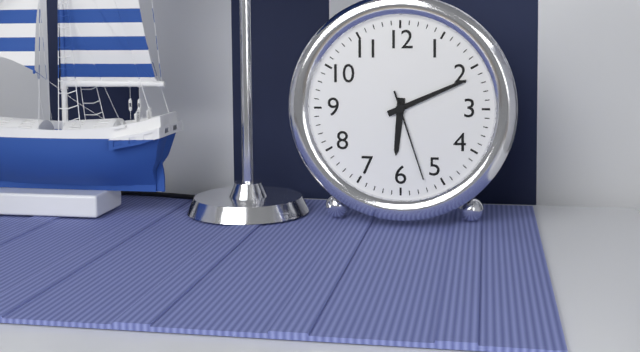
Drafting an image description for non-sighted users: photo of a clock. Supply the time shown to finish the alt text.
6:11:27
